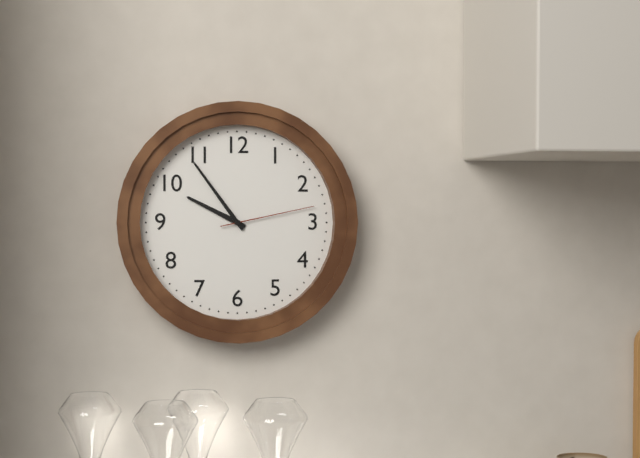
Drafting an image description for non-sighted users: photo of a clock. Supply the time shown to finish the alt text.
9:54:13
